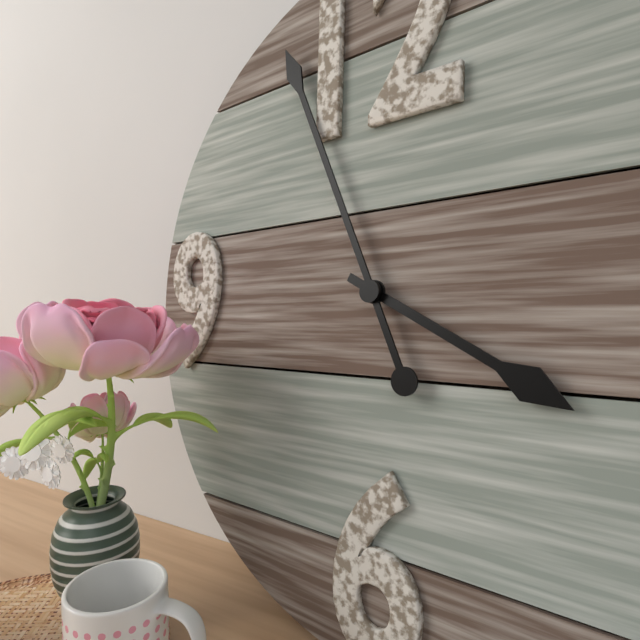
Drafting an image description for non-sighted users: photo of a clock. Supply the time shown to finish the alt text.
3:56
